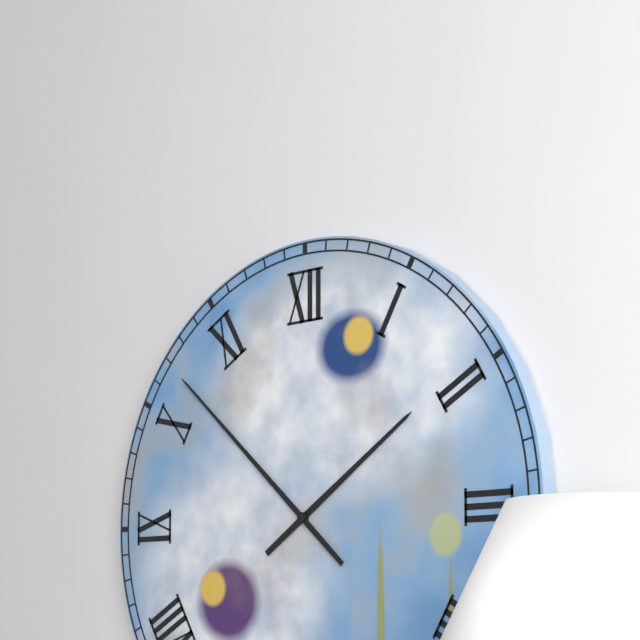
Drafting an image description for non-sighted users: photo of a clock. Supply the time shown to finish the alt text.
1:52
